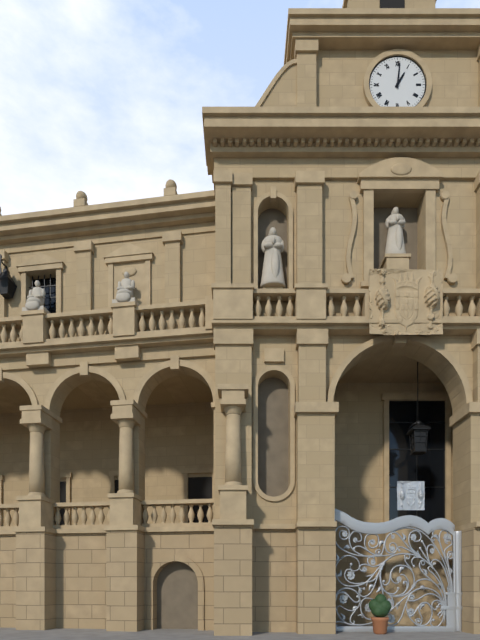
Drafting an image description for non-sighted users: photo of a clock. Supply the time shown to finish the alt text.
1:01
